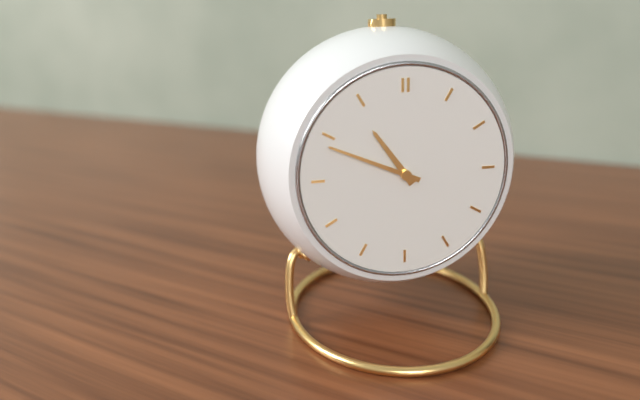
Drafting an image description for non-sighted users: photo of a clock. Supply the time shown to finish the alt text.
10:49
